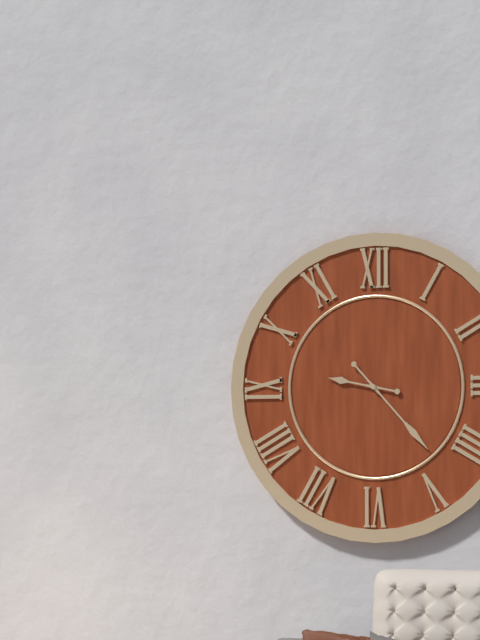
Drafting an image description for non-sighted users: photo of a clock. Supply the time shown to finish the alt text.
9:23
